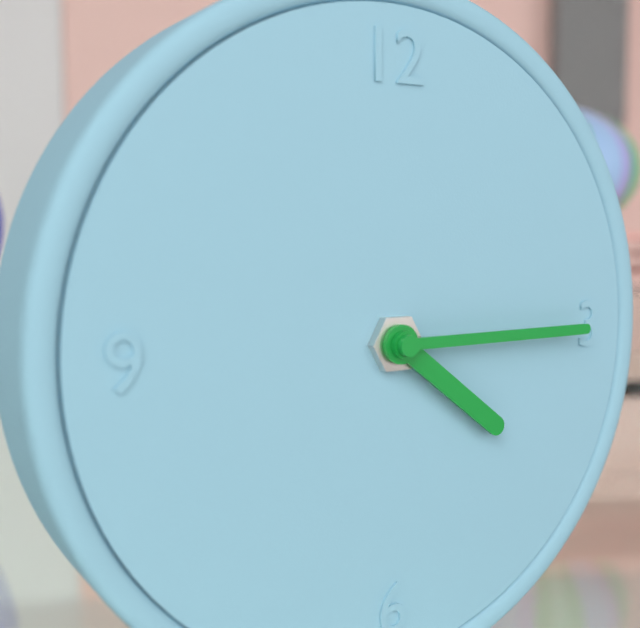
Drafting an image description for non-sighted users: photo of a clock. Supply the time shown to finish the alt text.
4:15
